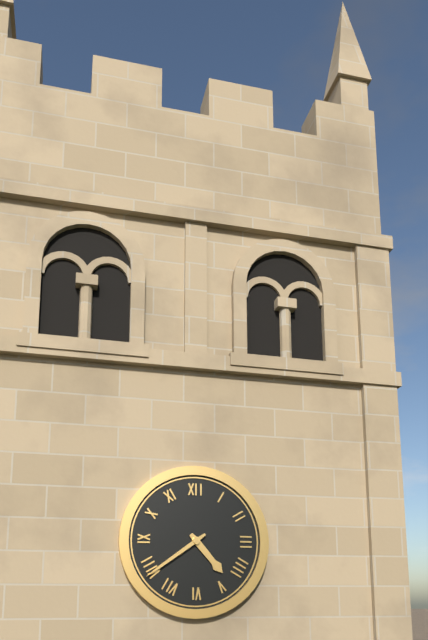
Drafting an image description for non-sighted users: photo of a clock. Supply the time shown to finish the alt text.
4:39
